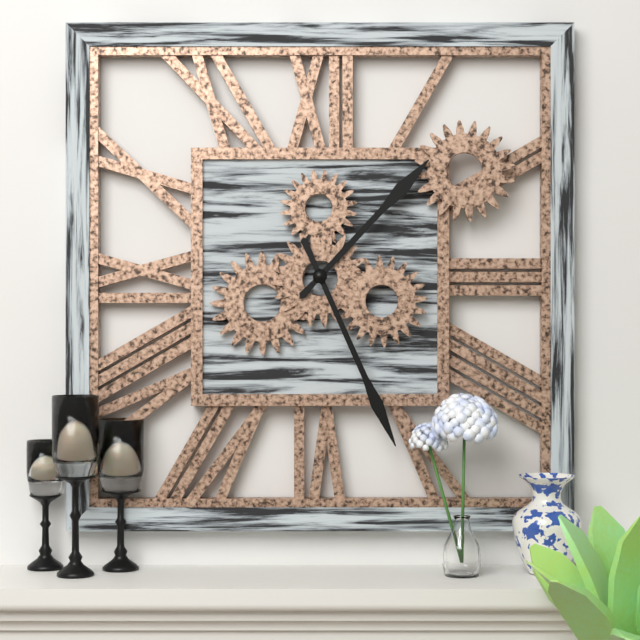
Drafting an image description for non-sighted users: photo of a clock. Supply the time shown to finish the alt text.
1:26
